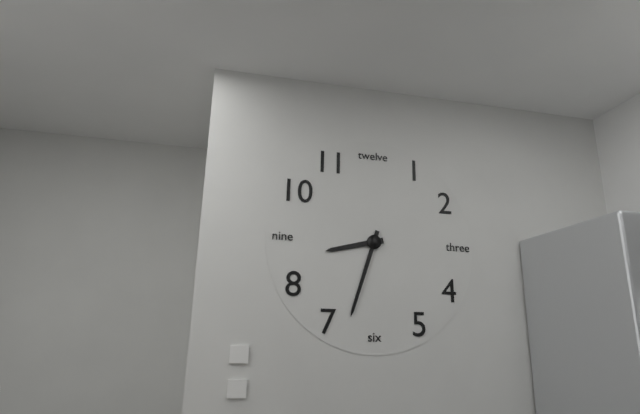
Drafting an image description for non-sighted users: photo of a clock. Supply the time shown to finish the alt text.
8:33
